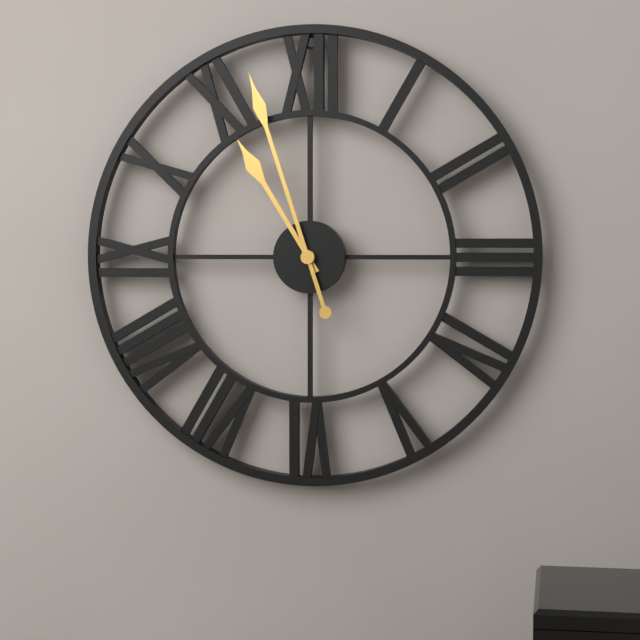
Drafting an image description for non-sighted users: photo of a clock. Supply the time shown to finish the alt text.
10:57
